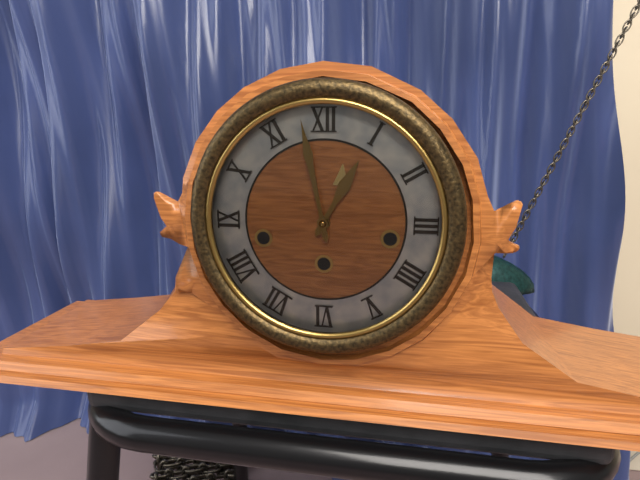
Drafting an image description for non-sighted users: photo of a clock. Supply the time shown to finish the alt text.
12:58
